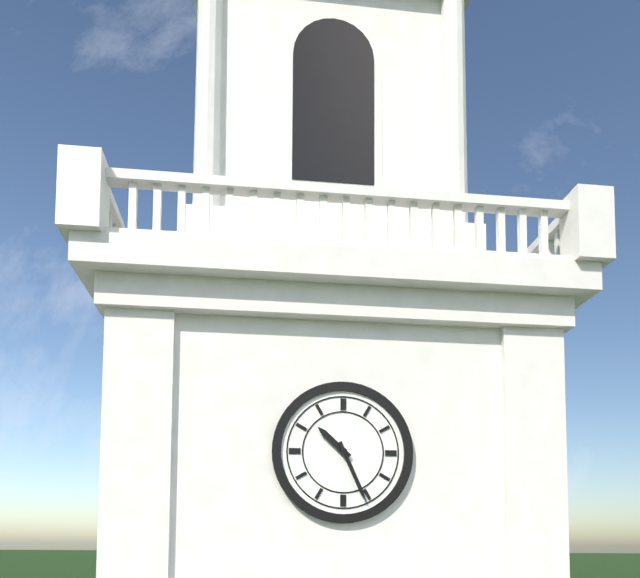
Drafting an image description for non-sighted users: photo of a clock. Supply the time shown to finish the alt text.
10:26
